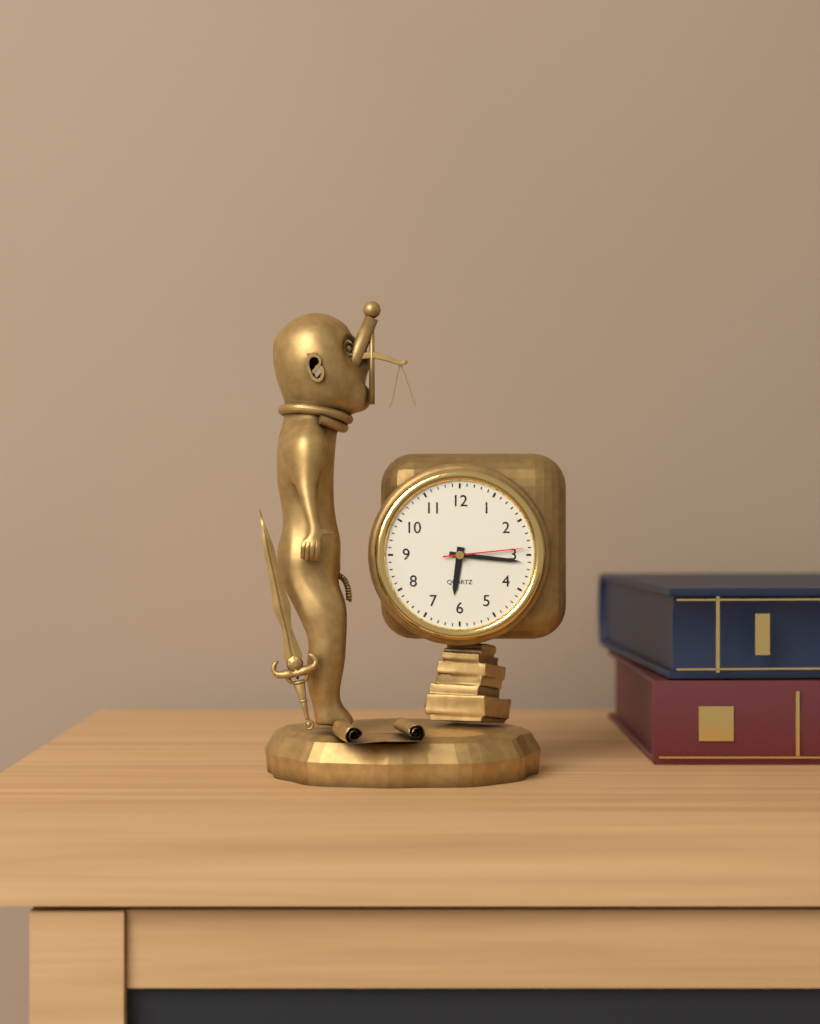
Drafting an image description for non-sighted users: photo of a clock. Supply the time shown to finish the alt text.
6:16:14
